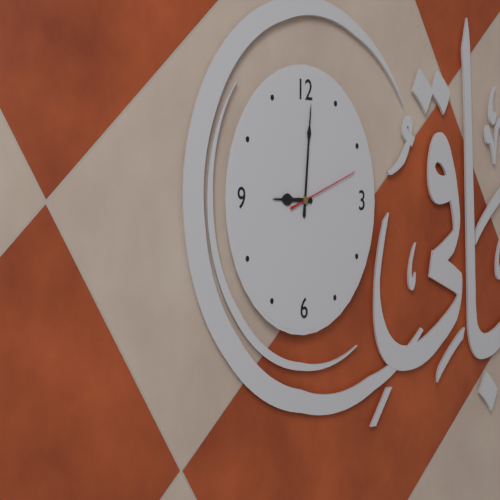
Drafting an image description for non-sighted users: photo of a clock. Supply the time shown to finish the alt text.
9:01:12
